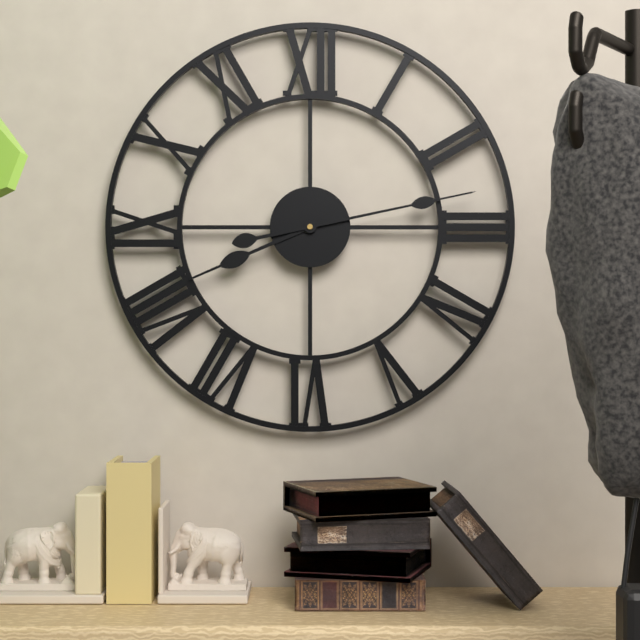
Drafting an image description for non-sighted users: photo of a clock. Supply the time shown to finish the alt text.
8:13
